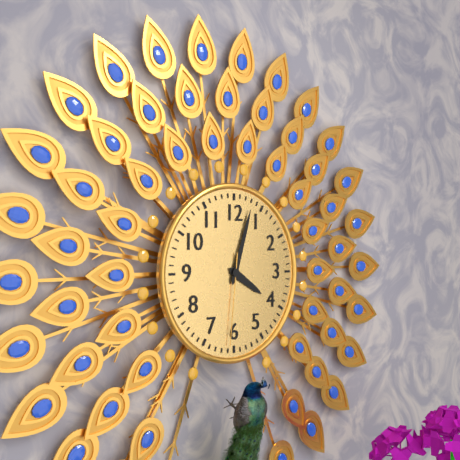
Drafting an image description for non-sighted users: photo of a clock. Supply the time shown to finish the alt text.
4:03:31
